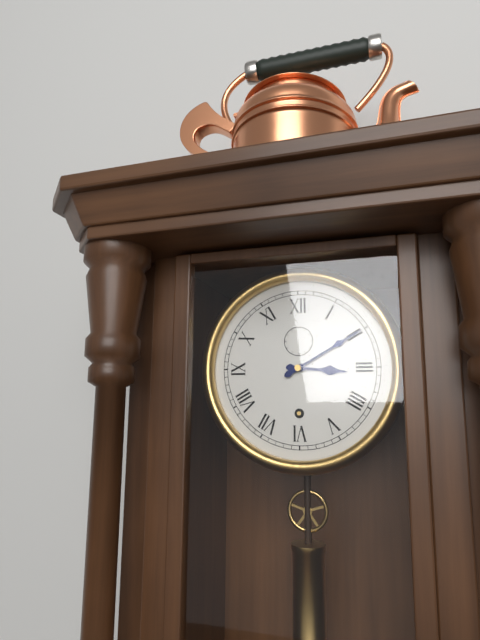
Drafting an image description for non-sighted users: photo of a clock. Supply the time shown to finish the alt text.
3:10
